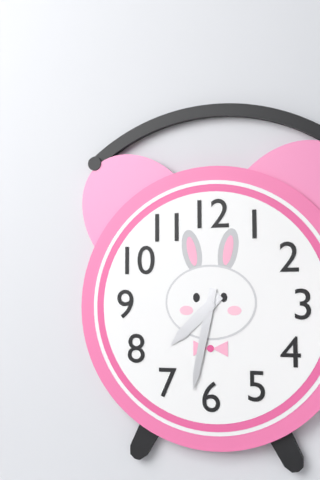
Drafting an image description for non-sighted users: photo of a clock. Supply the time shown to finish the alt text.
7:32
